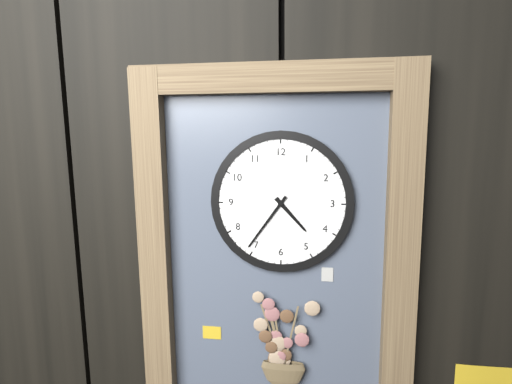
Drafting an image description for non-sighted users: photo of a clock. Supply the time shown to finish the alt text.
4:36
